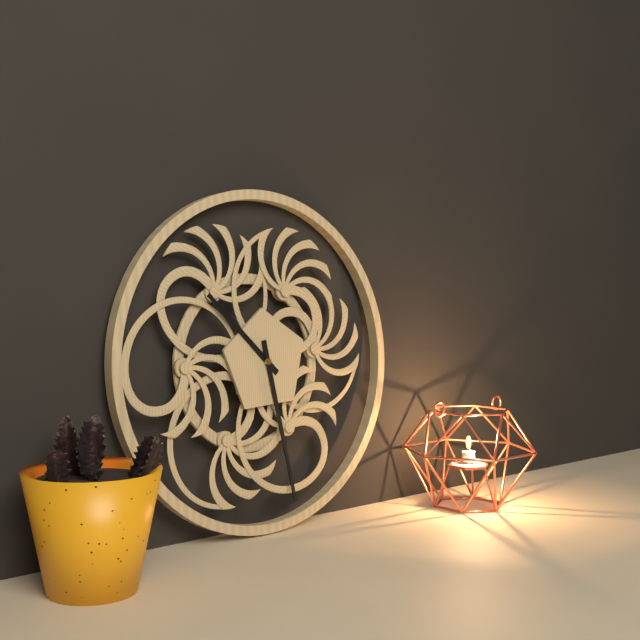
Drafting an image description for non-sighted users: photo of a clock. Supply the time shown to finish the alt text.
10:28
